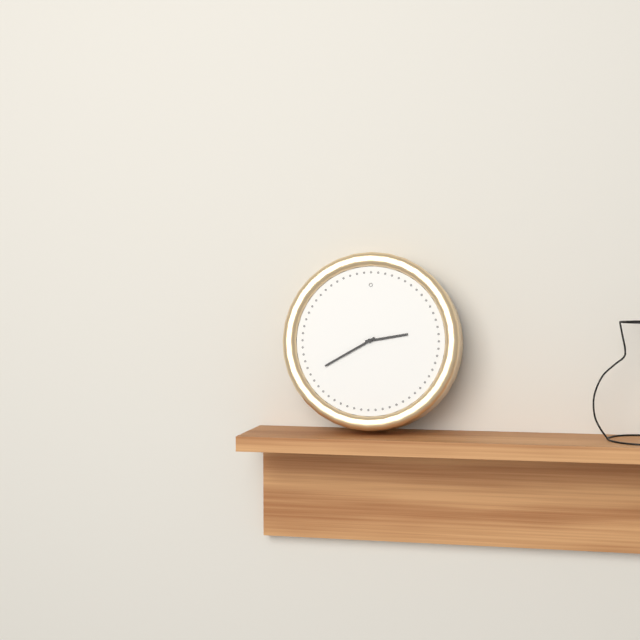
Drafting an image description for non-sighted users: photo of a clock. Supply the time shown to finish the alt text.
2:40
